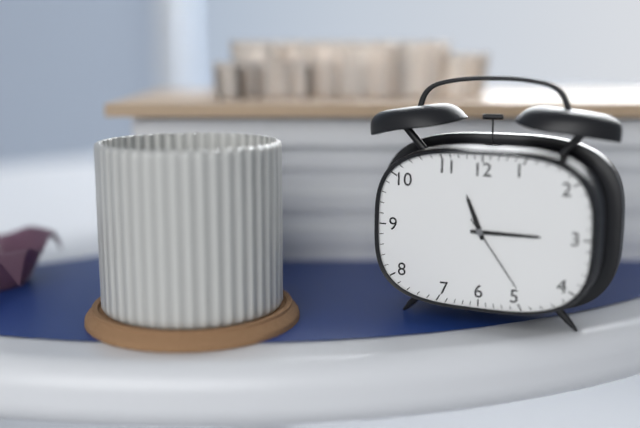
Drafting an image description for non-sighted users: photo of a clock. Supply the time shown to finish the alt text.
11:15:24
